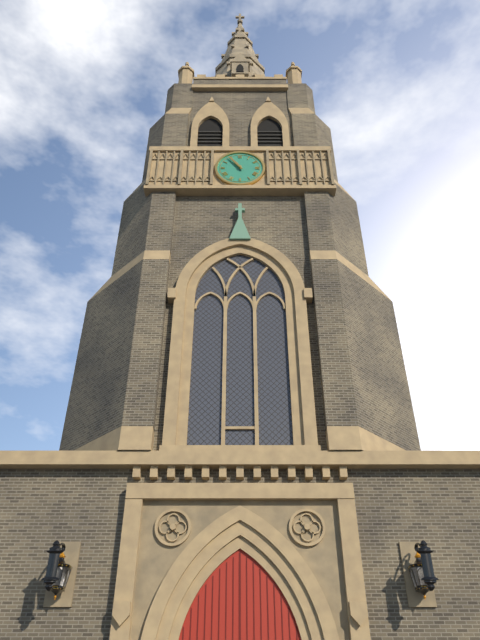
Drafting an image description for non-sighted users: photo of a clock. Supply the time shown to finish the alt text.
10:54
